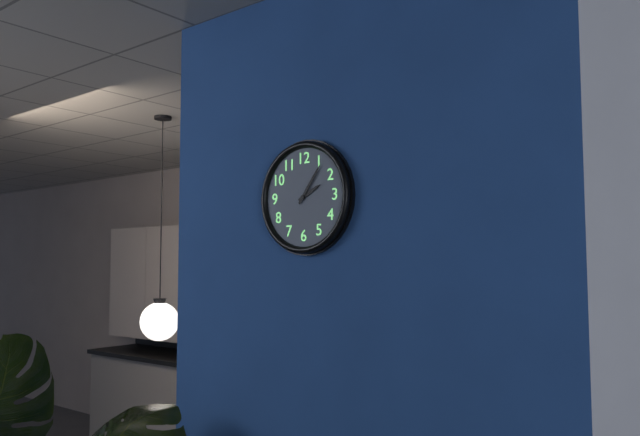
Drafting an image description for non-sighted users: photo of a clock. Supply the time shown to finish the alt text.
2:06
